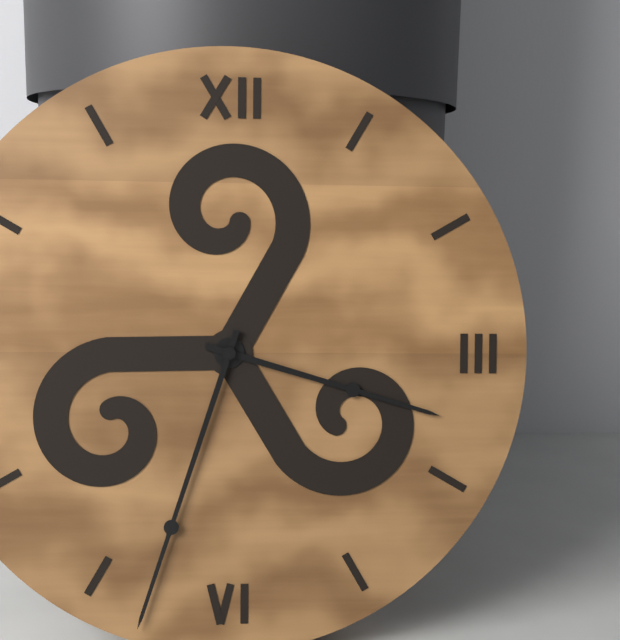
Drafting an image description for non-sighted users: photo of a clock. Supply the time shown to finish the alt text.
3:33
